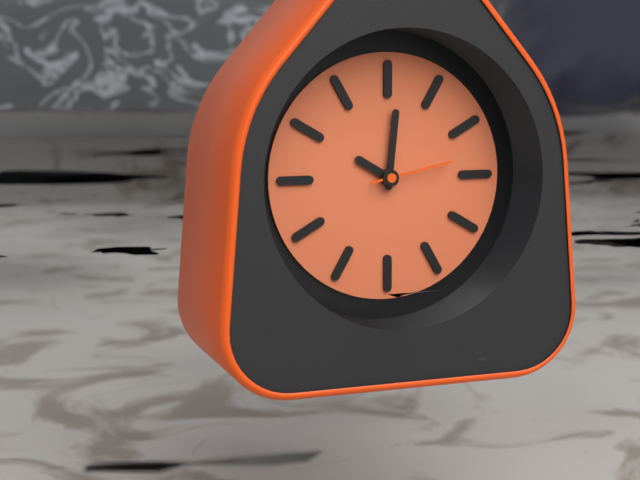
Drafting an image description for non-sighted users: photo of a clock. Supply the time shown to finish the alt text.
10:01:13
